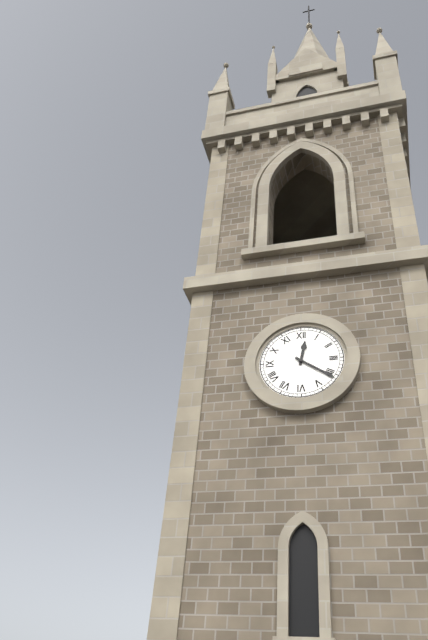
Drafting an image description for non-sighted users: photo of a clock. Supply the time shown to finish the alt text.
12:21
